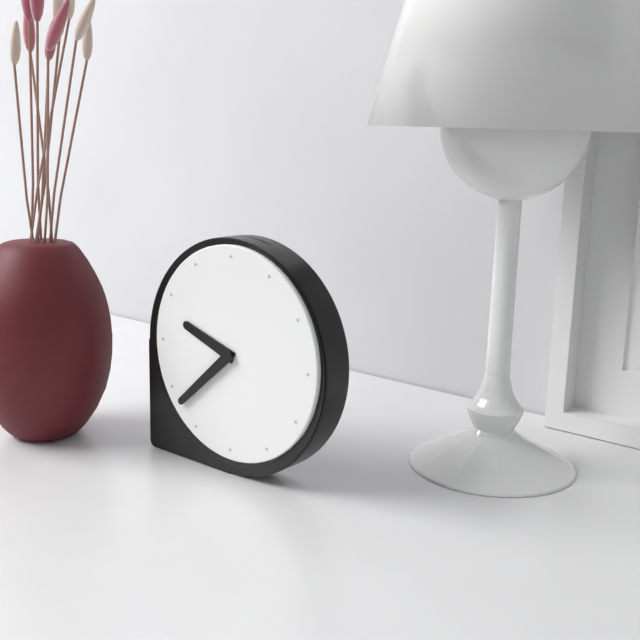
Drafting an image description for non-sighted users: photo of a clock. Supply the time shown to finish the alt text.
9:38
